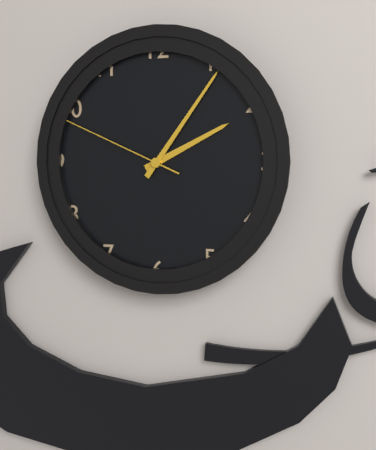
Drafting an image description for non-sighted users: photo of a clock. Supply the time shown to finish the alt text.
2:06:49
